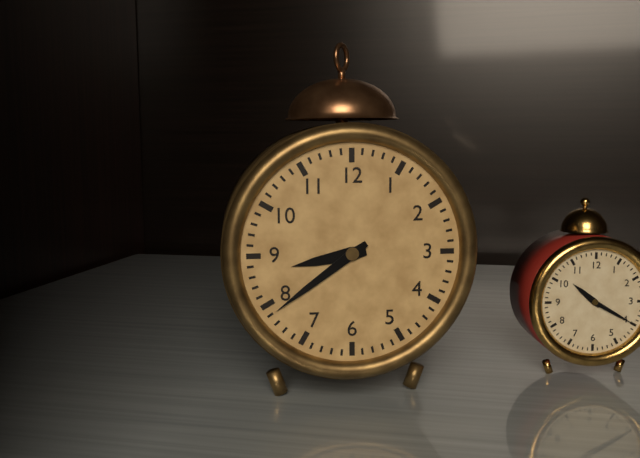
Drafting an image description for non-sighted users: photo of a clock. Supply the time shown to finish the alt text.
8:39
